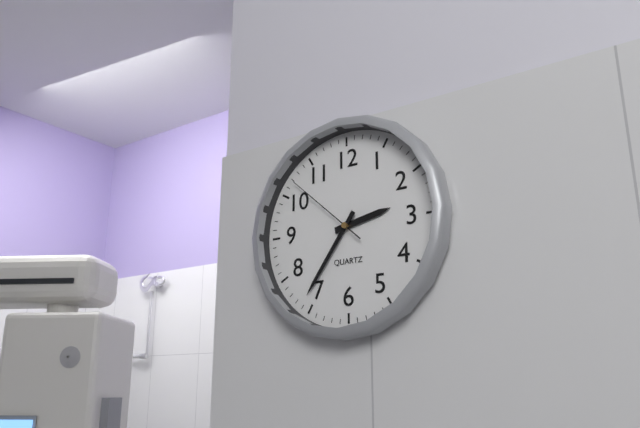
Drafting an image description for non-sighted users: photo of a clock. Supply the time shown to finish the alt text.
2:36:52
